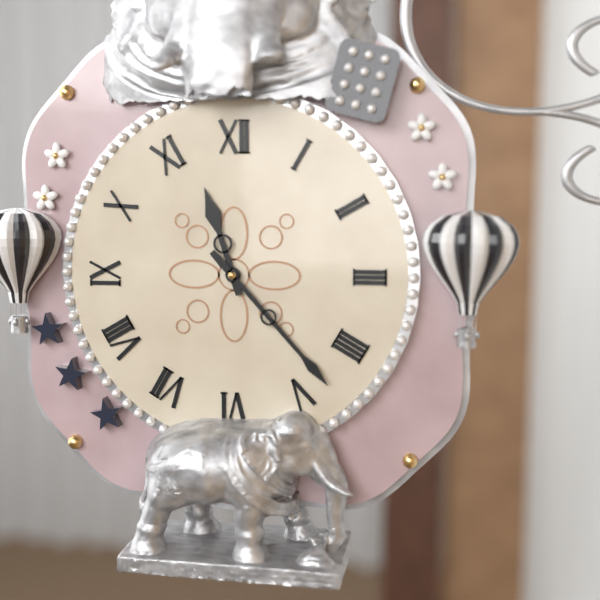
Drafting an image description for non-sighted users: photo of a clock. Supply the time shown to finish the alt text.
11:23
